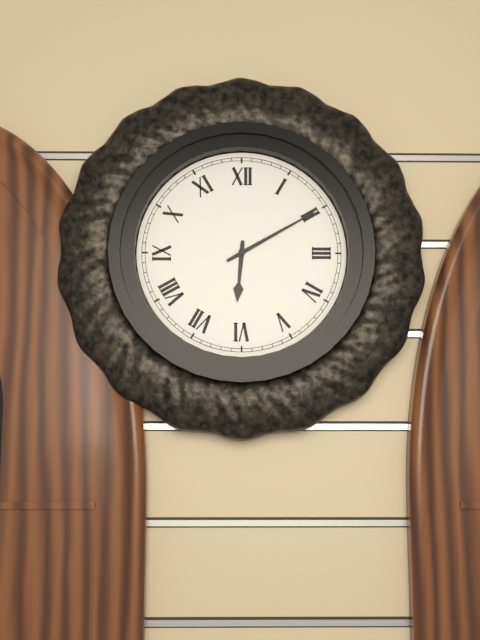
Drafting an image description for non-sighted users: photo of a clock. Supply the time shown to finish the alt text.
6:10
